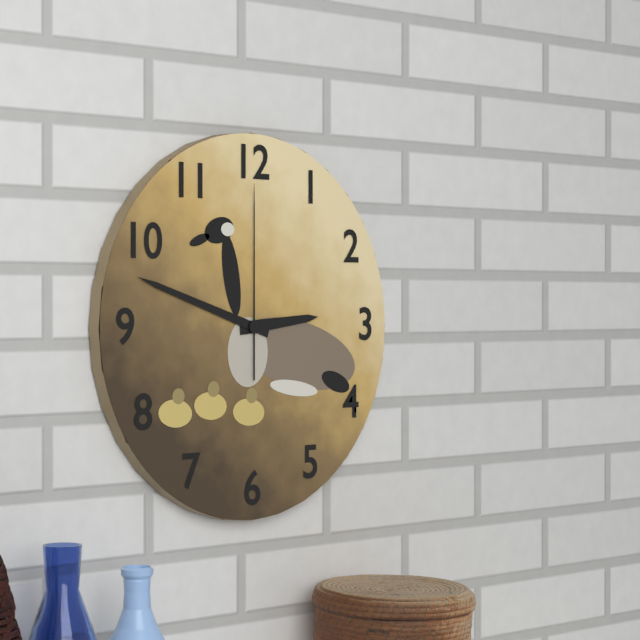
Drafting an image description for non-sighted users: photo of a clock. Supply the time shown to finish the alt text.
2:48:00
